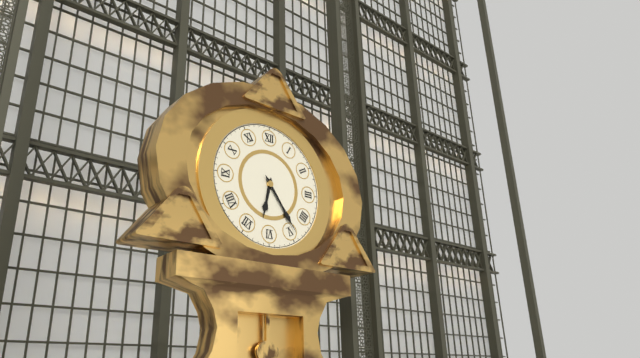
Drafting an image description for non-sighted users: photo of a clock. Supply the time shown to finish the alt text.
6:24
